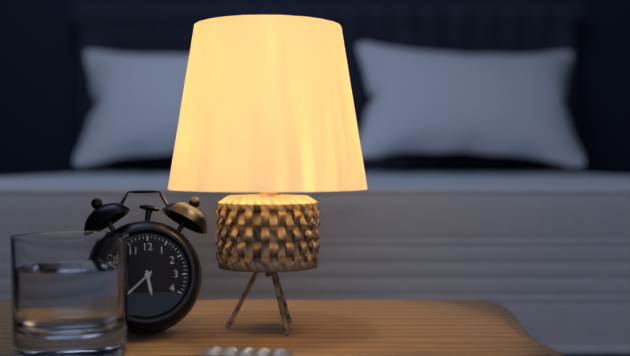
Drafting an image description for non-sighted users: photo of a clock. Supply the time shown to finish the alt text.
5:38
